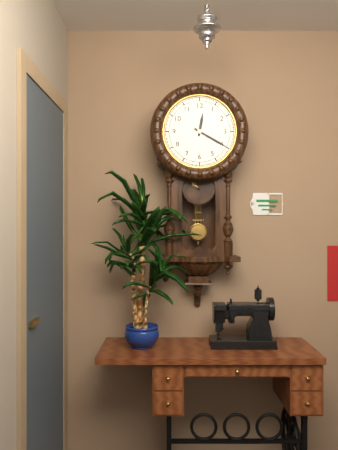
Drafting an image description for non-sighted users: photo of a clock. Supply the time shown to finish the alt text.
12:20
